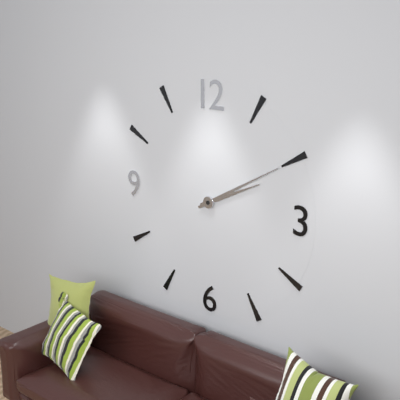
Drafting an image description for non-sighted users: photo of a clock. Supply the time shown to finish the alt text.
2:10
